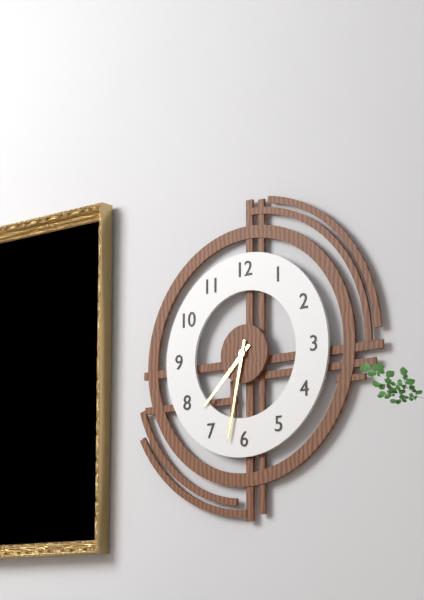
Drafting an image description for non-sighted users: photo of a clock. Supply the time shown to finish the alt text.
7:32
